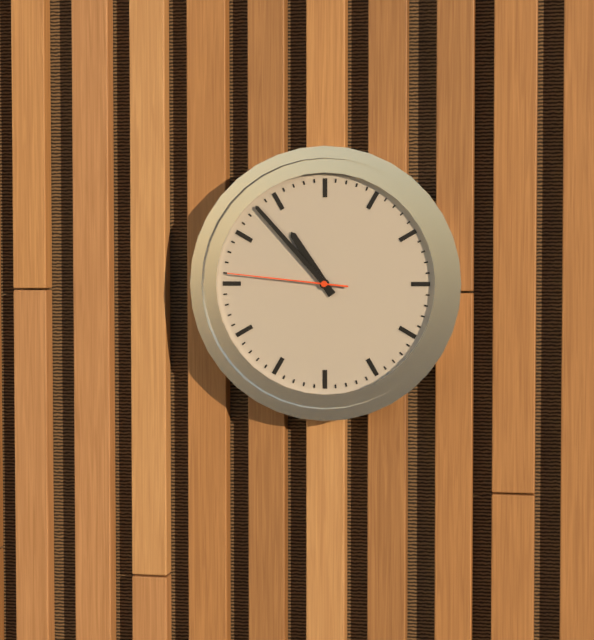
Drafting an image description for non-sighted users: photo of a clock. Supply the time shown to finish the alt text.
10:53:46
